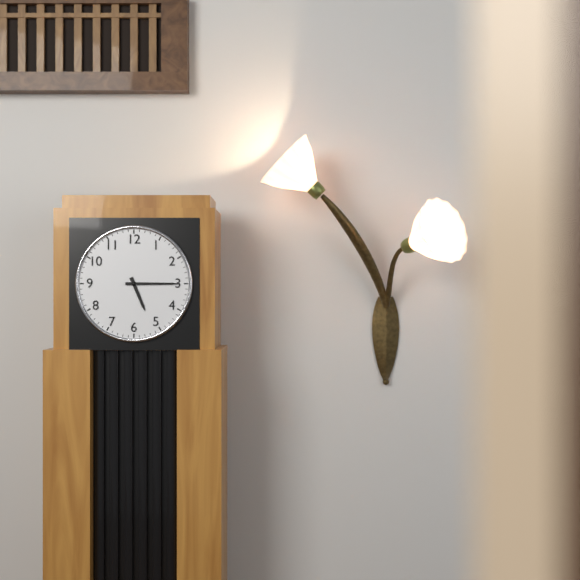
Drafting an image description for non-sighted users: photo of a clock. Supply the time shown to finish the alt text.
5:15
